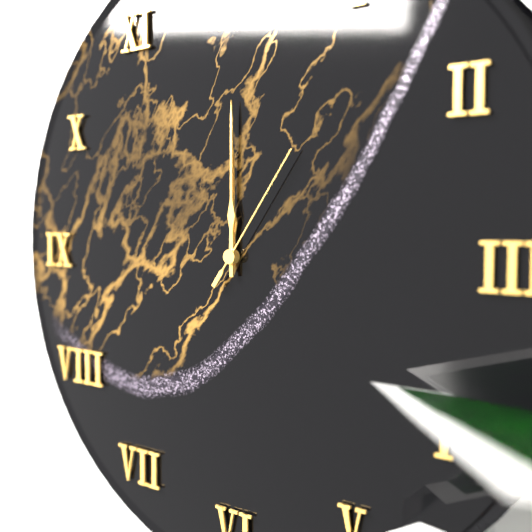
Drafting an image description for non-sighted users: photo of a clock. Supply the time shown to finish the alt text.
12:00:06
